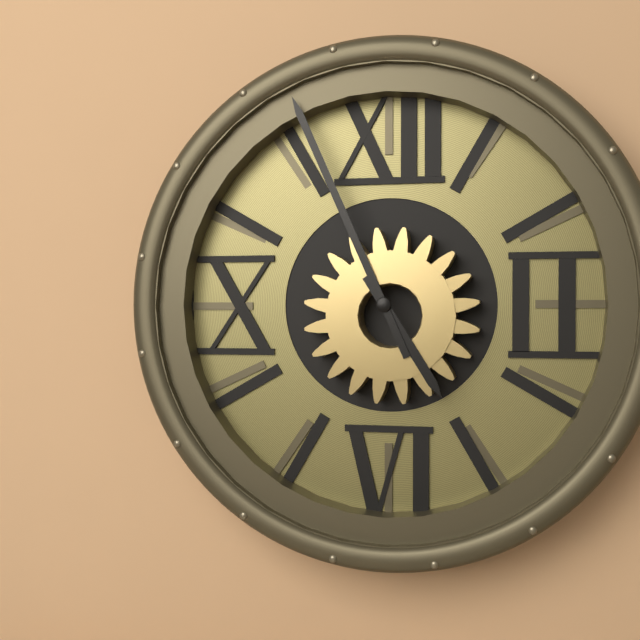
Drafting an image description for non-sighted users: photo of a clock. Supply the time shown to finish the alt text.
4:56
